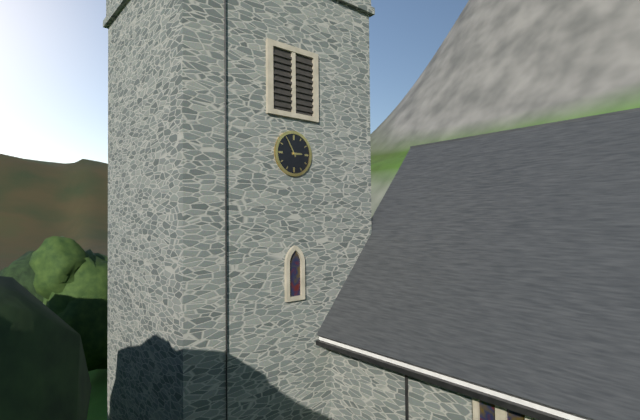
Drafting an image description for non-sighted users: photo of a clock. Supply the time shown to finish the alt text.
2:55
